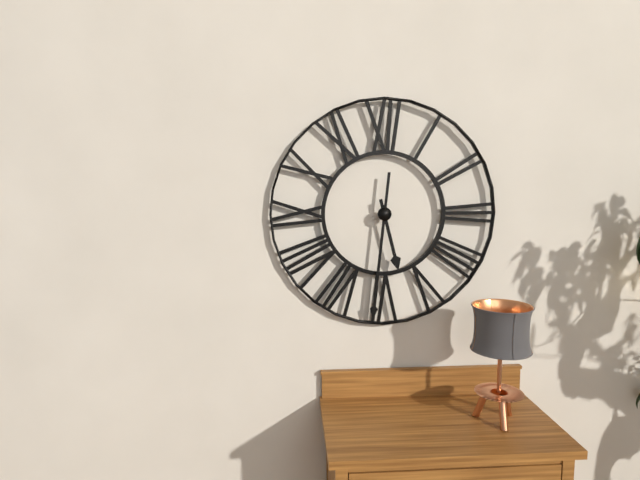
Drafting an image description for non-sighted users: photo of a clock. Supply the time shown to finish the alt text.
5:31
